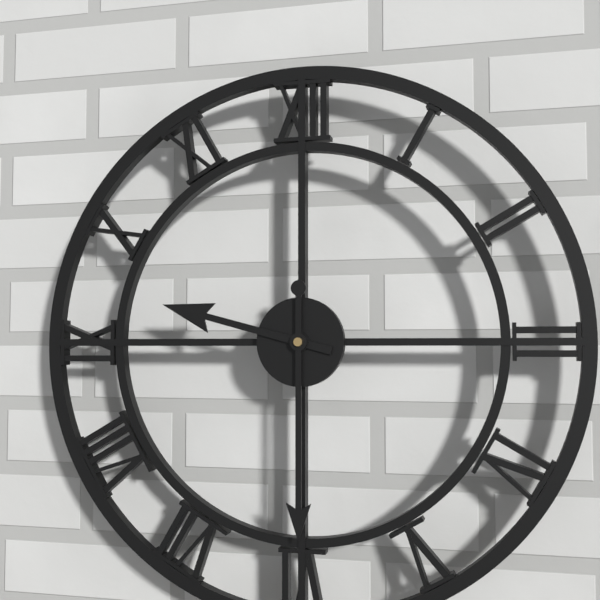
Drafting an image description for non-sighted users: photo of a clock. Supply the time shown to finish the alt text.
9:30
